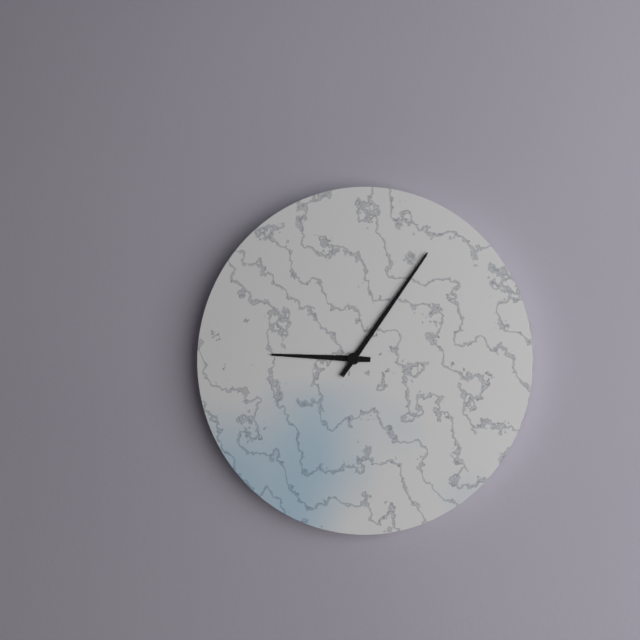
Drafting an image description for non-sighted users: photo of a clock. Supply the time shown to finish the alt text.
9:06
